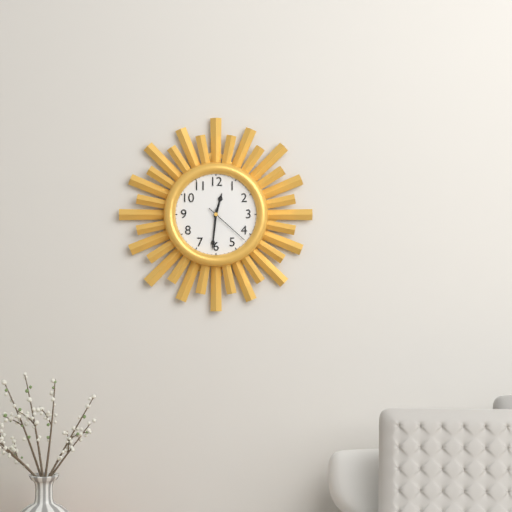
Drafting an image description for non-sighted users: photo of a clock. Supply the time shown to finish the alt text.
12:31
